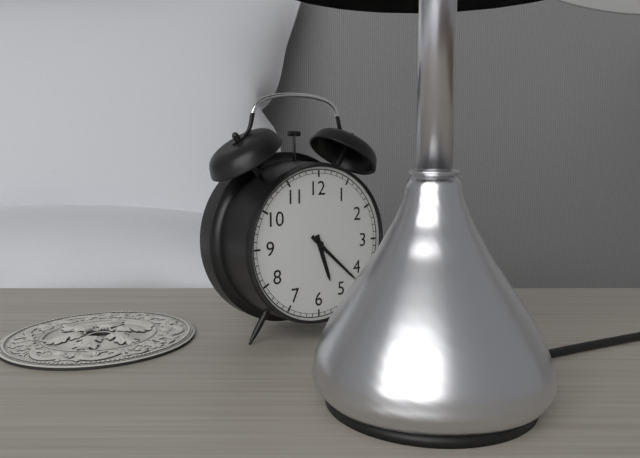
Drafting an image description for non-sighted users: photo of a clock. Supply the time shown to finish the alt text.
5:22
